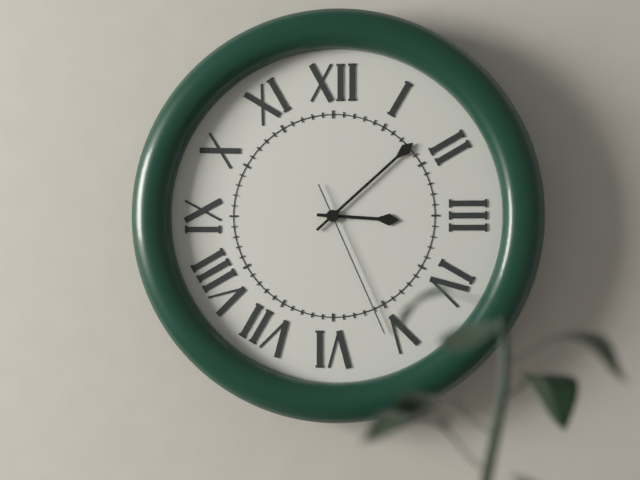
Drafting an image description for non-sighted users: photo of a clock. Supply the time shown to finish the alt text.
3:08:26
